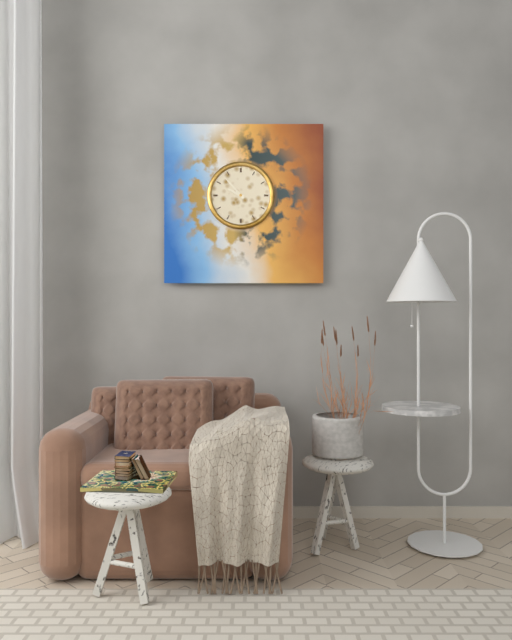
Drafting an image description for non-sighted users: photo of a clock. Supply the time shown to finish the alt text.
9:53
